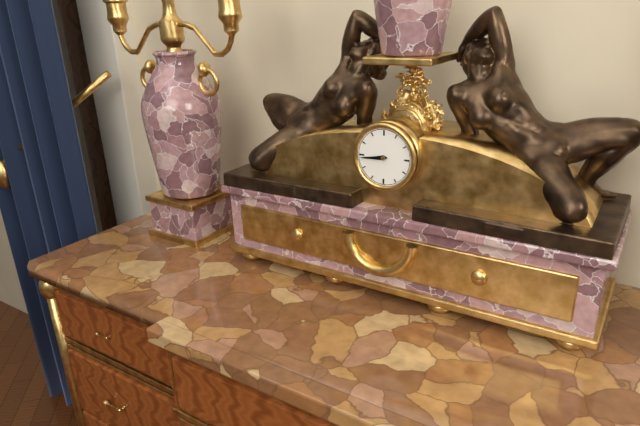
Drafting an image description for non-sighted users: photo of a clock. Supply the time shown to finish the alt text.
8:44
